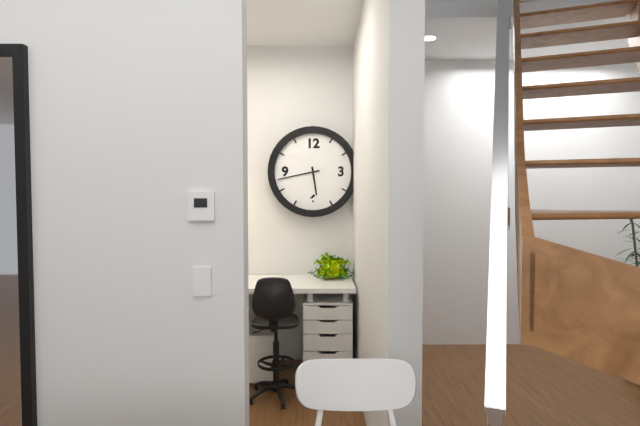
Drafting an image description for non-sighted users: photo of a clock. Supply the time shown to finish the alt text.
5:43
